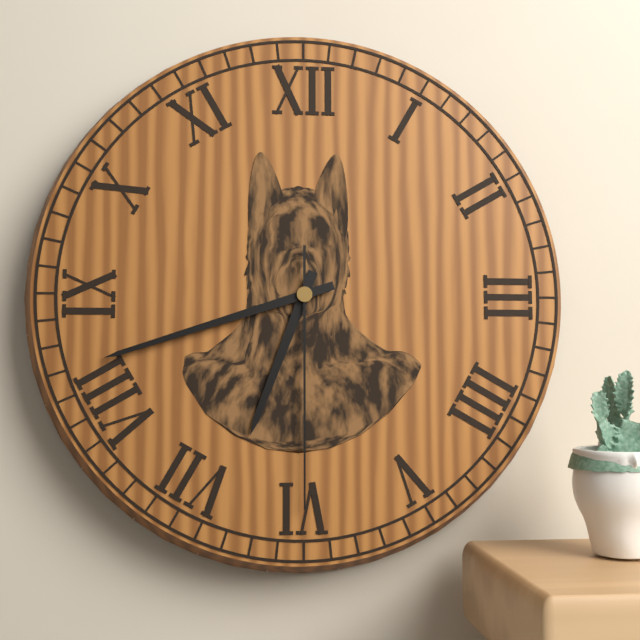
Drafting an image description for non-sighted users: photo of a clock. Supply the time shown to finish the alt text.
6:42:30
